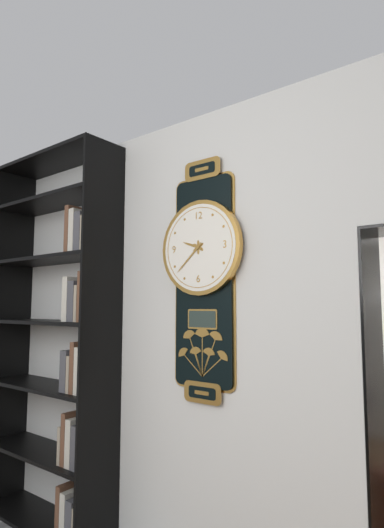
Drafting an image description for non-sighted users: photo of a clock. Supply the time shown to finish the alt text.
9:38
